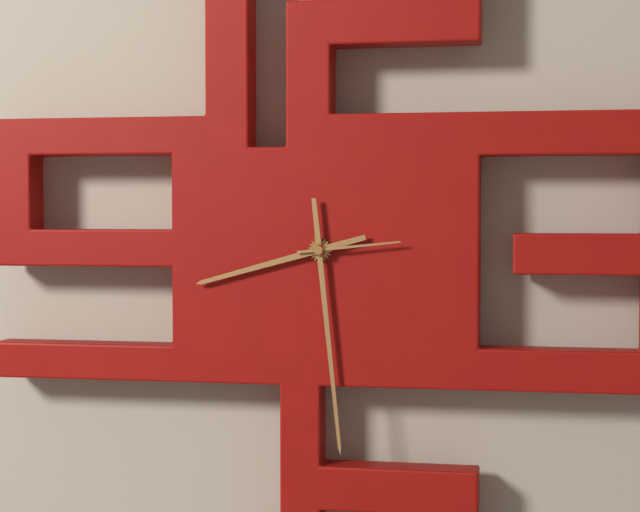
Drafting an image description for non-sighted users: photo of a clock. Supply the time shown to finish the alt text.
8:29:14
